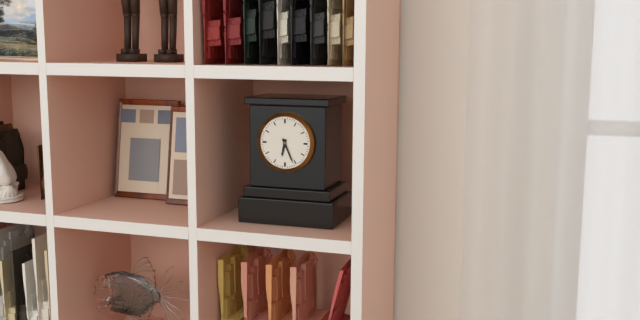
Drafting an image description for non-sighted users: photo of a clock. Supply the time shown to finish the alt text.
6:26
